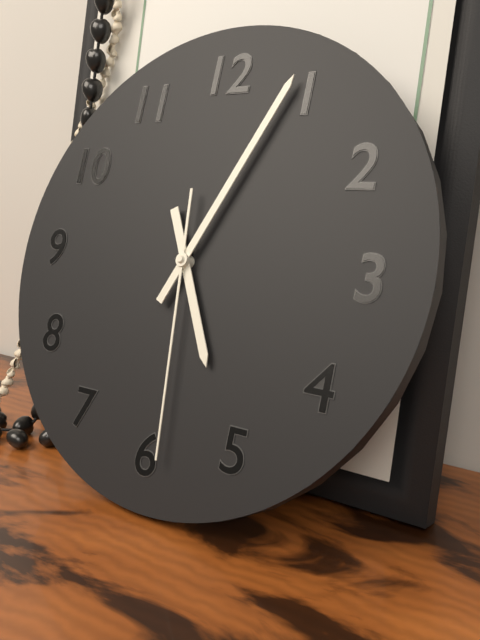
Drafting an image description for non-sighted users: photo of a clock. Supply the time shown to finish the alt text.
5:04:29
